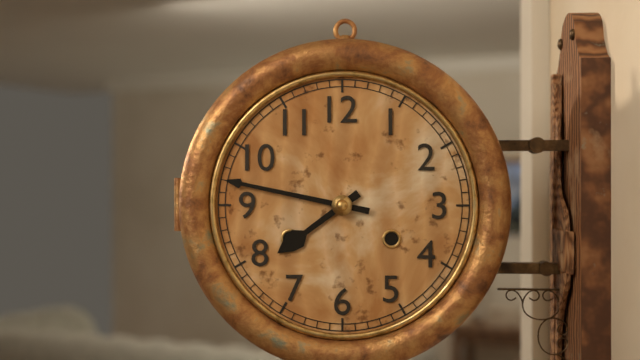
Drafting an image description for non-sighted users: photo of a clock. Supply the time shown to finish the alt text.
7:47
